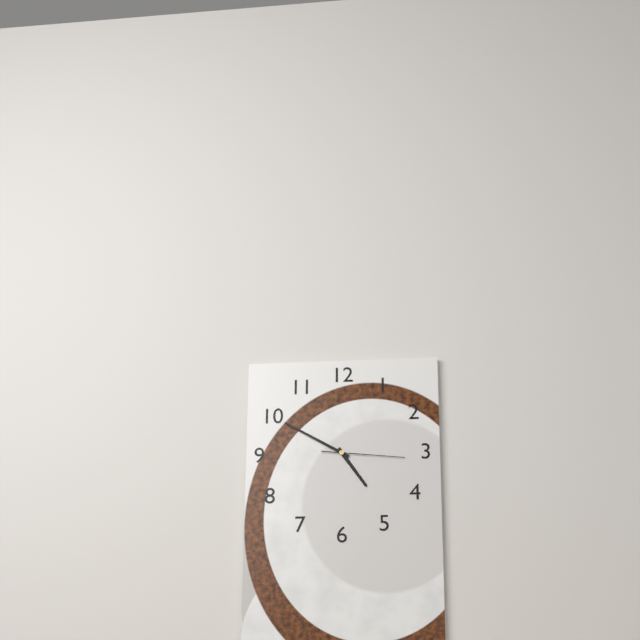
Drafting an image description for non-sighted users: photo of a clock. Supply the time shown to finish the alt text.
4:50:16
